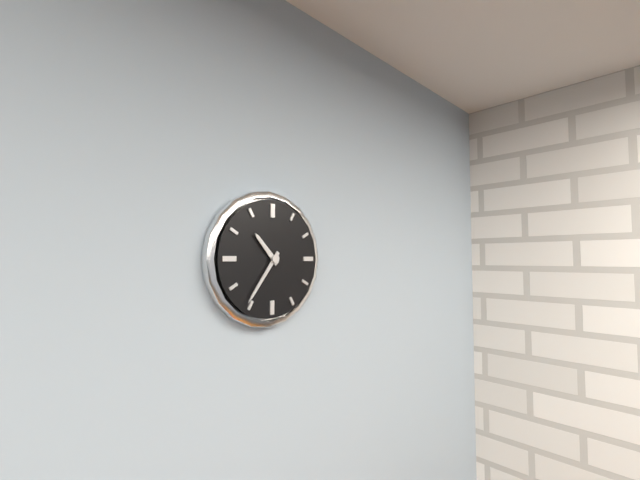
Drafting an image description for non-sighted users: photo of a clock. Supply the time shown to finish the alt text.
10:36
